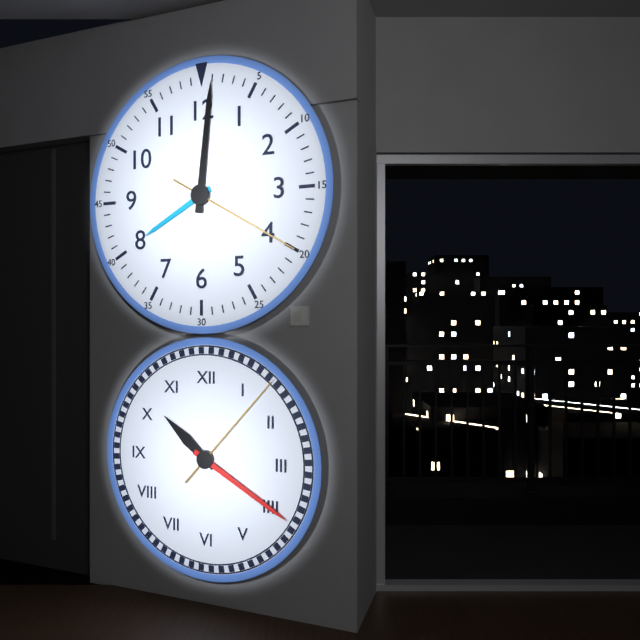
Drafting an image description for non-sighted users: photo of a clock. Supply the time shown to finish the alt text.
8:01:20
